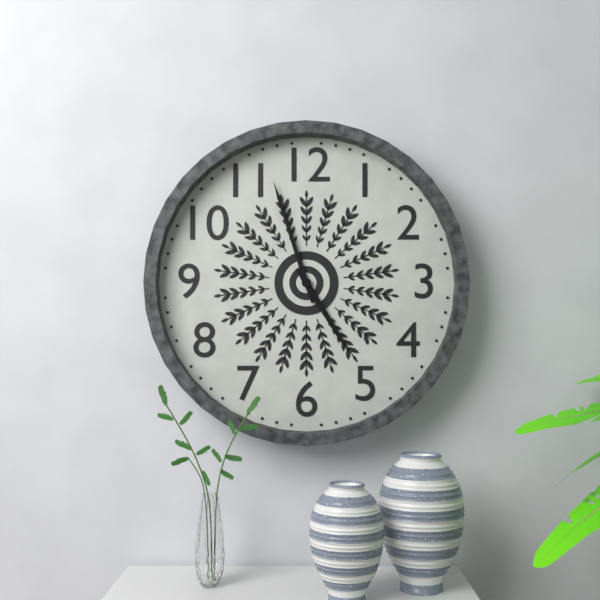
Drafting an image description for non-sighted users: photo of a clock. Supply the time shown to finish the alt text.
4:57
